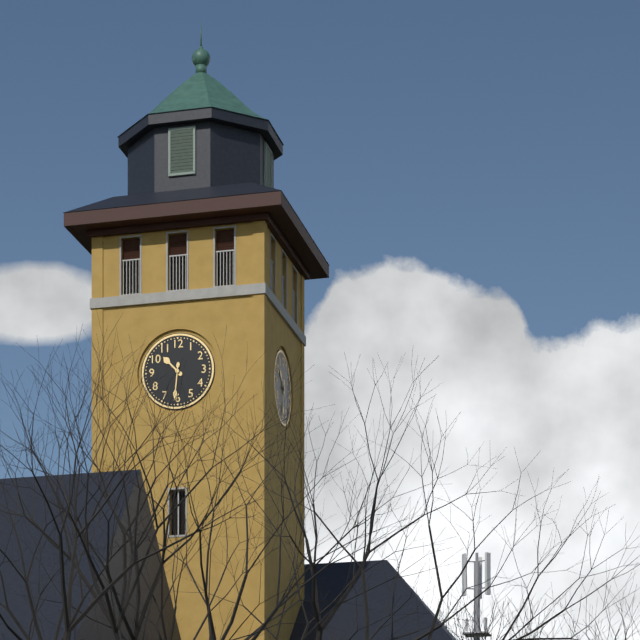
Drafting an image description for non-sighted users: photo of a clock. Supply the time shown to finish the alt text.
10:31
